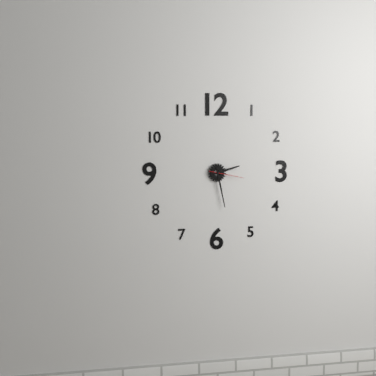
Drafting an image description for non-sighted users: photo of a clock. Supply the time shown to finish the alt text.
2:28
